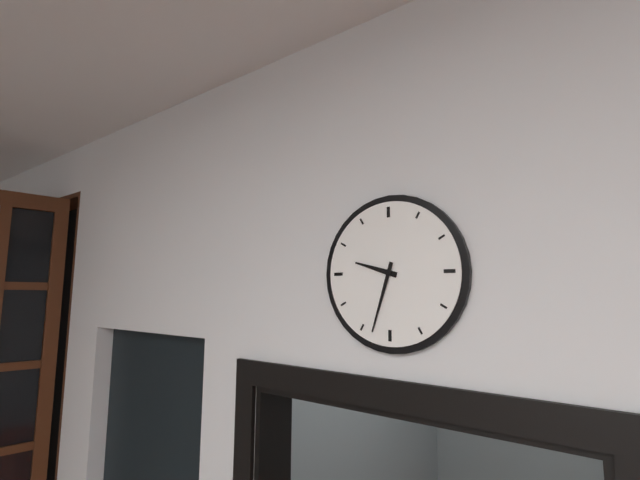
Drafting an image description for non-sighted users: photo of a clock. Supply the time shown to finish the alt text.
9:33
